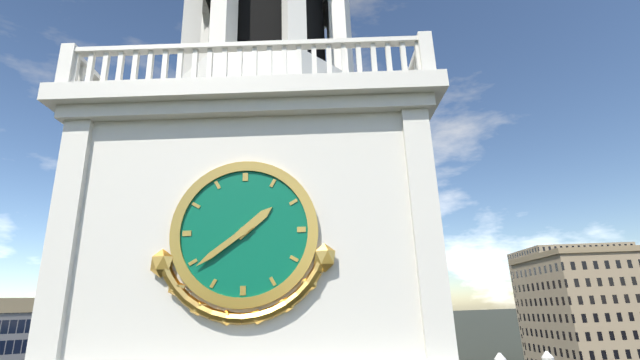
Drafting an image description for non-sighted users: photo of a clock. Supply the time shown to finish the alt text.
1:39
